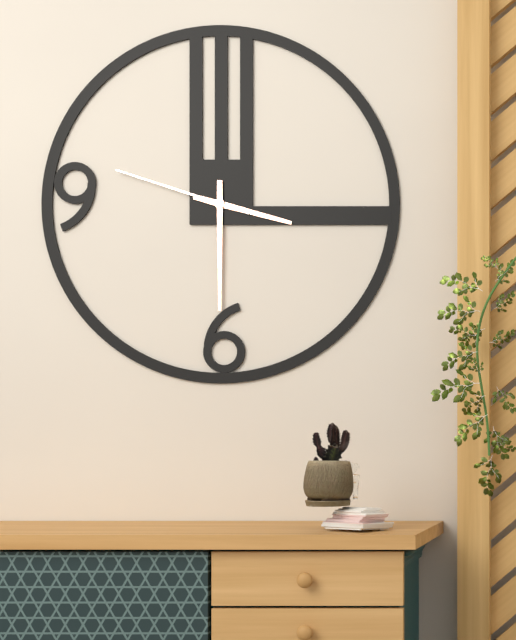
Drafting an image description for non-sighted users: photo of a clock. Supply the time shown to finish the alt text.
3:30:48
